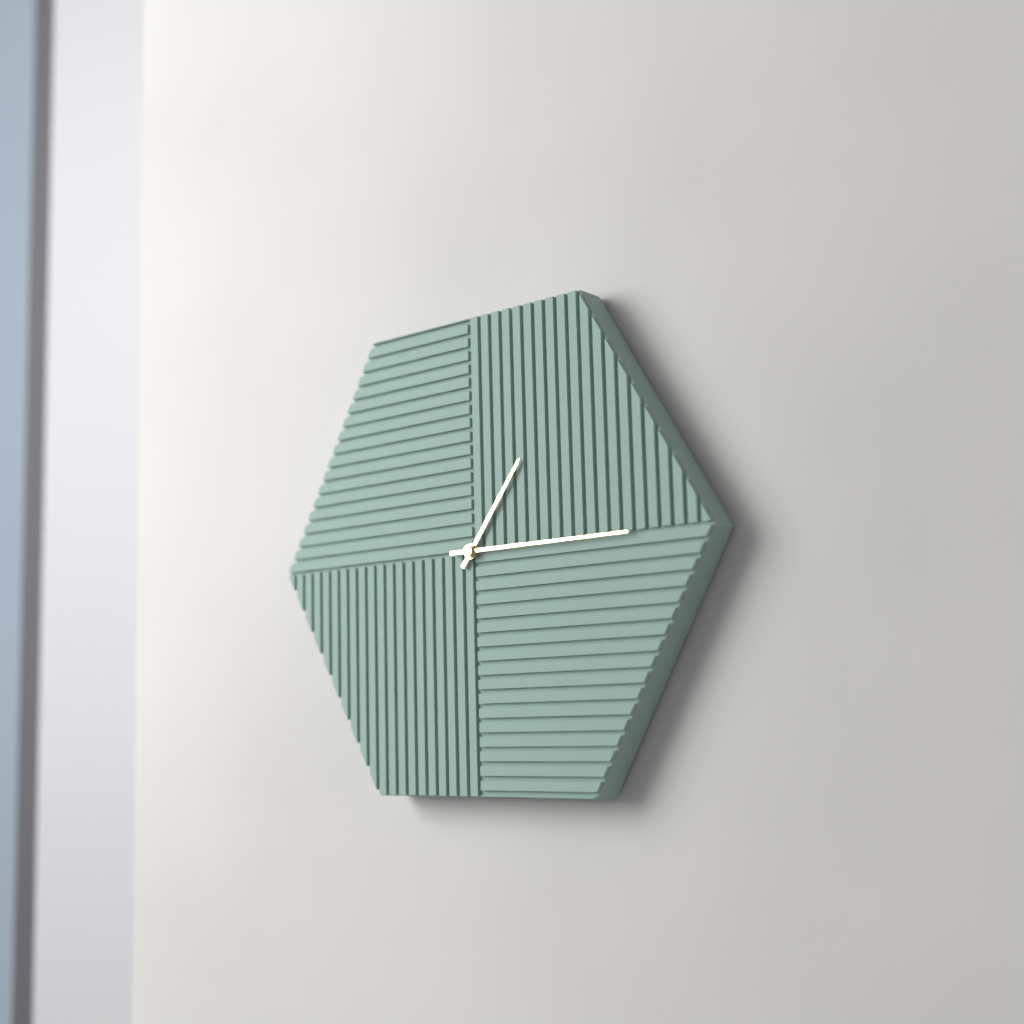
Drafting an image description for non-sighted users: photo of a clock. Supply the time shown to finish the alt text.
1:15
